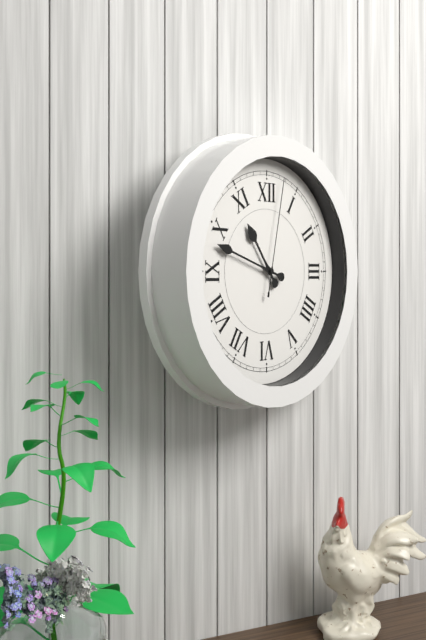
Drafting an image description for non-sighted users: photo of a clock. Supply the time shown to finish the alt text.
10:48:02
